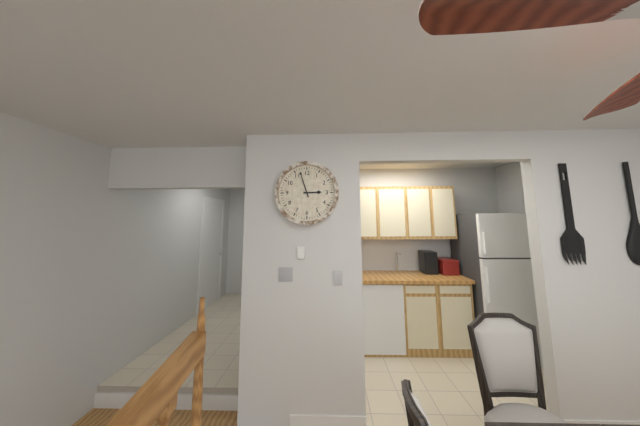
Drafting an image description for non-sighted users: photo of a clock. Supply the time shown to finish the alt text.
2:57
